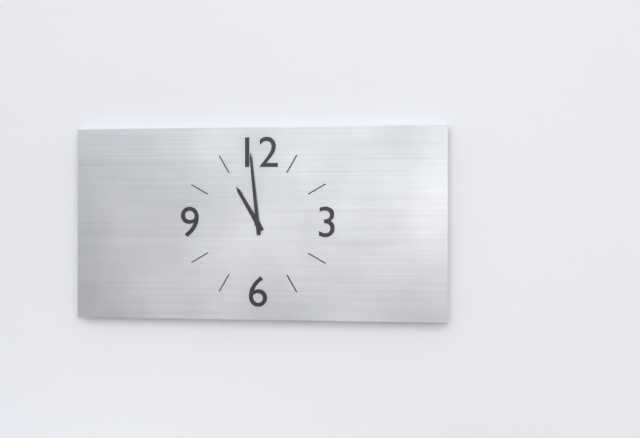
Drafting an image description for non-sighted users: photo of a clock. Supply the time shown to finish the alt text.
10:59
